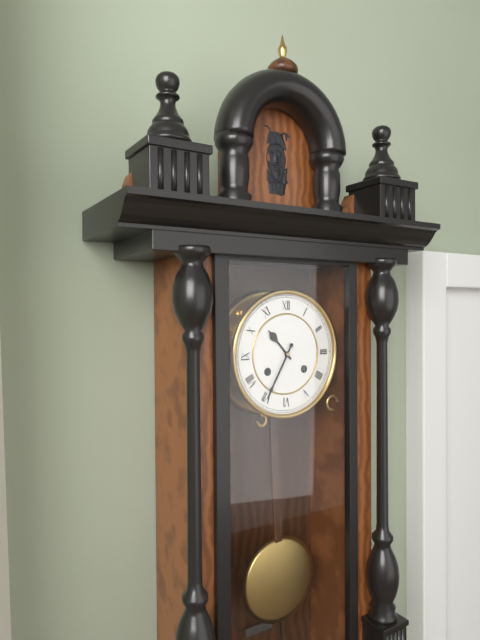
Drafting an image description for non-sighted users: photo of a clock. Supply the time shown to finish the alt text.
10:35
